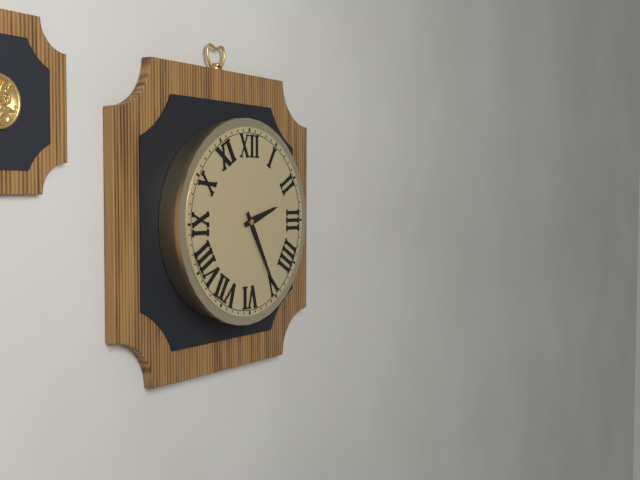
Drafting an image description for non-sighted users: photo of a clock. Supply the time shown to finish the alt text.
2:25
